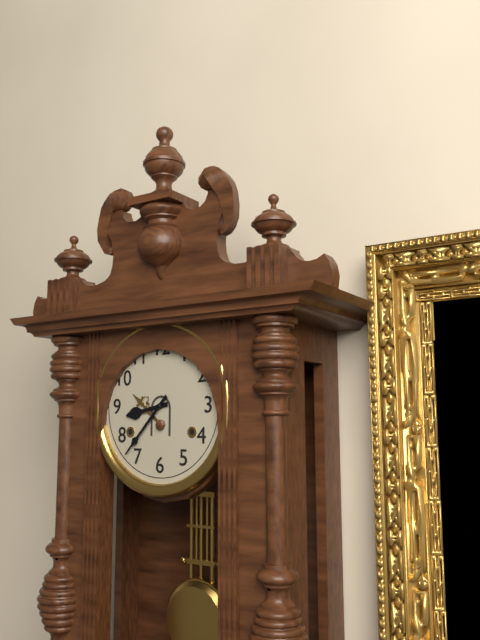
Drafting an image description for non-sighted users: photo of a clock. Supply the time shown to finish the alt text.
8:37
